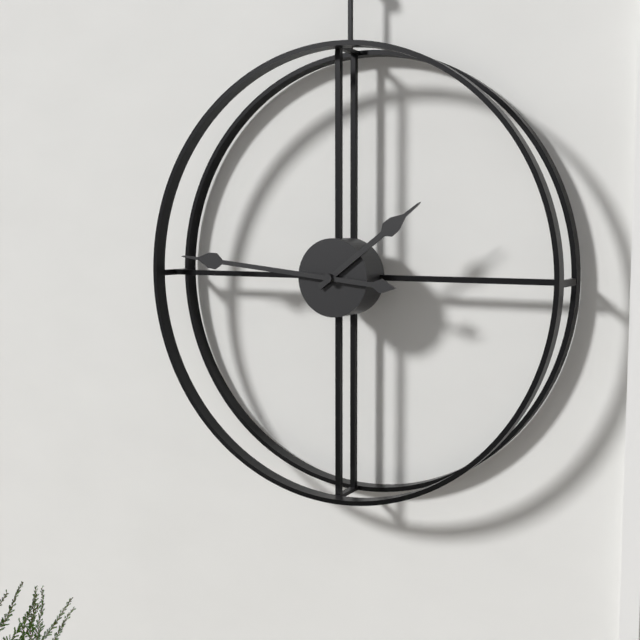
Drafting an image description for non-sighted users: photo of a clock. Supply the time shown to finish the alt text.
1:46
